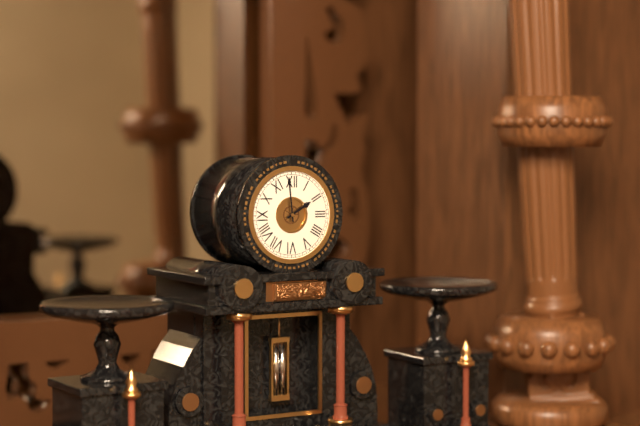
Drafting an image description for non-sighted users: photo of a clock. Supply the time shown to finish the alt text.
1:59
